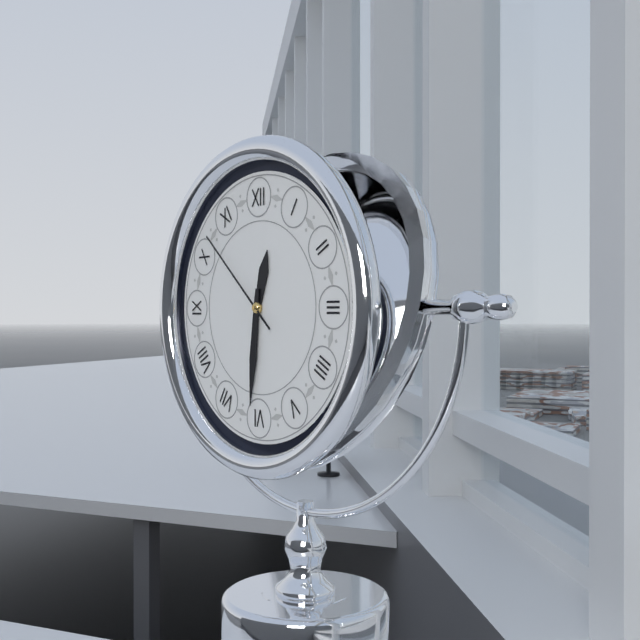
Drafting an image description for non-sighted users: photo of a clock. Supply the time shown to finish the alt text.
12:31:52
